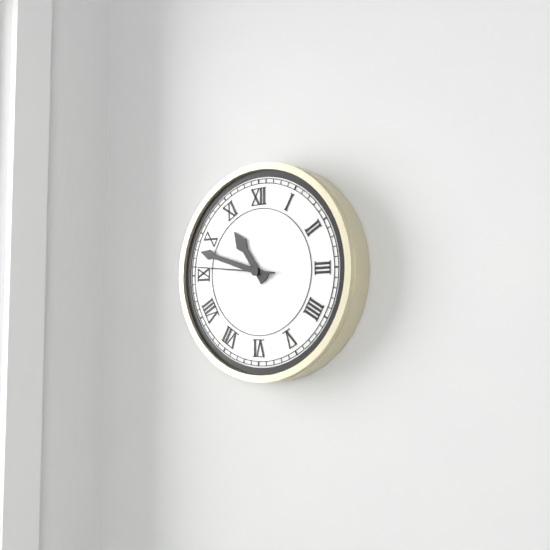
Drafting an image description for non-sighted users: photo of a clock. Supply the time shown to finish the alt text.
10:48:46
